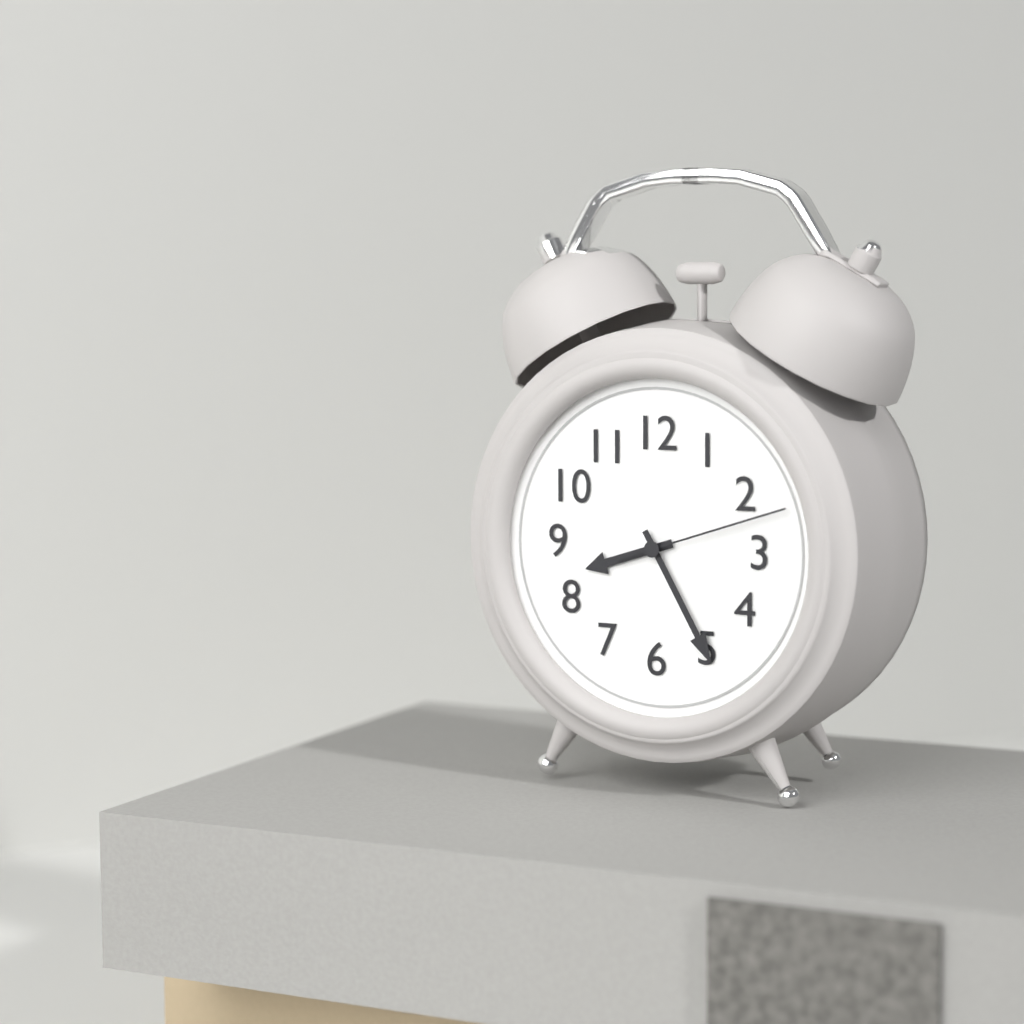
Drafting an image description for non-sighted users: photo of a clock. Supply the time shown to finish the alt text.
8:25:12
